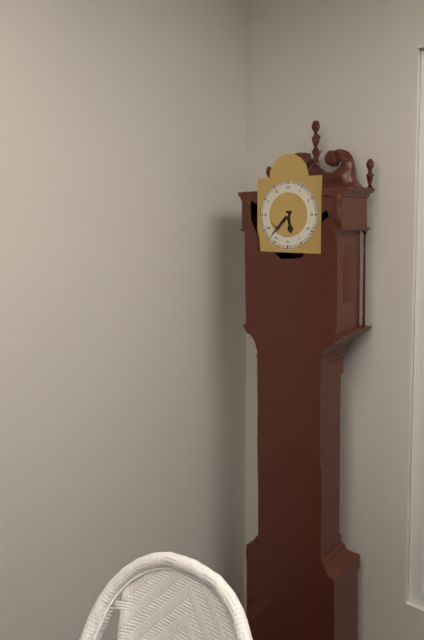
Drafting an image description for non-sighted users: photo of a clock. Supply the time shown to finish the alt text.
5:37
